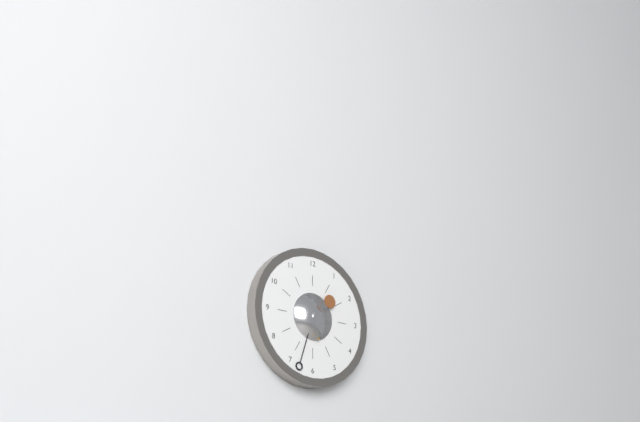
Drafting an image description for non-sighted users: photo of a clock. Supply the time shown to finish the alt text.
1:33
